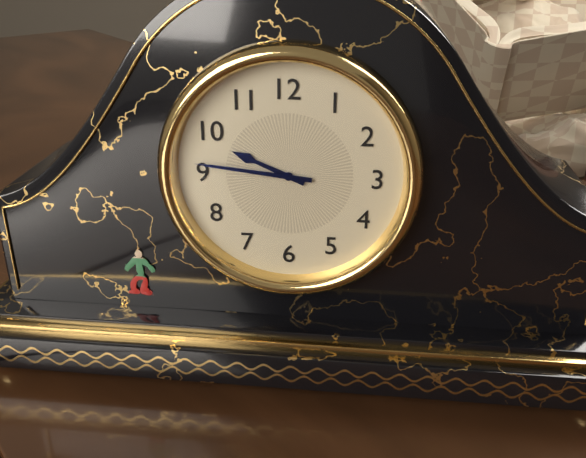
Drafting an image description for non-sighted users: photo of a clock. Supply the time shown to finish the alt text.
9:46
